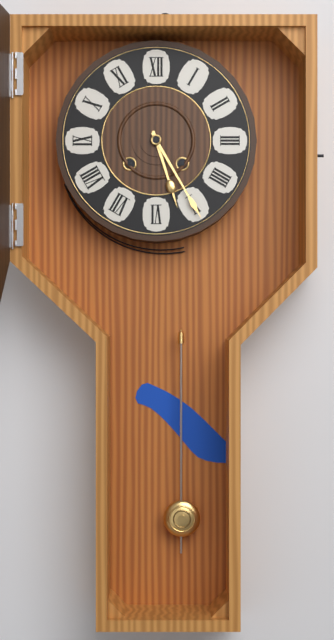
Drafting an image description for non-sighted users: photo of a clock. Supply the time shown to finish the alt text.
5:25
